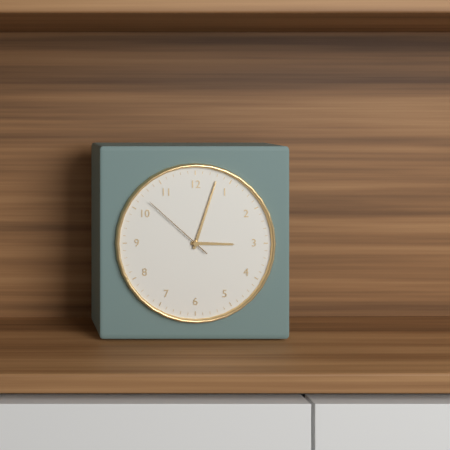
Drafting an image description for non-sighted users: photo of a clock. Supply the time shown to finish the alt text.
3:03:52
